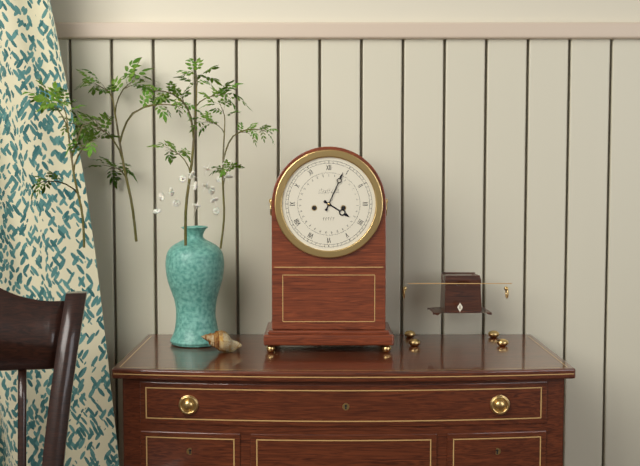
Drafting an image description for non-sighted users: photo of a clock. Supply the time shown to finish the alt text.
4:04
